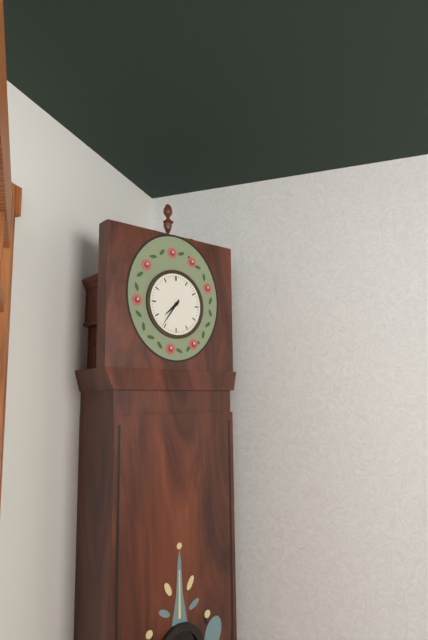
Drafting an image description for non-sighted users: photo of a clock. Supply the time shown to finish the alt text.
7:36
